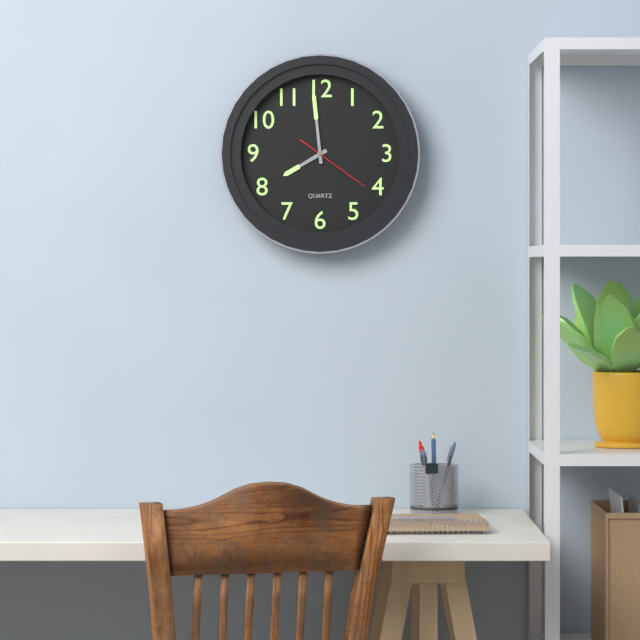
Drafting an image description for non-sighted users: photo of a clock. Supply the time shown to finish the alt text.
7:59:21
